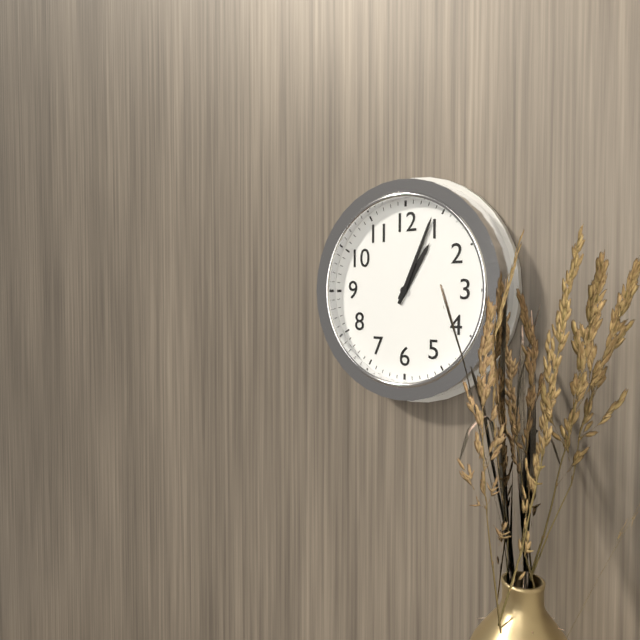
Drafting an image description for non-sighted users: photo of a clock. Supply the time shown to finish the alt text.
1:04
